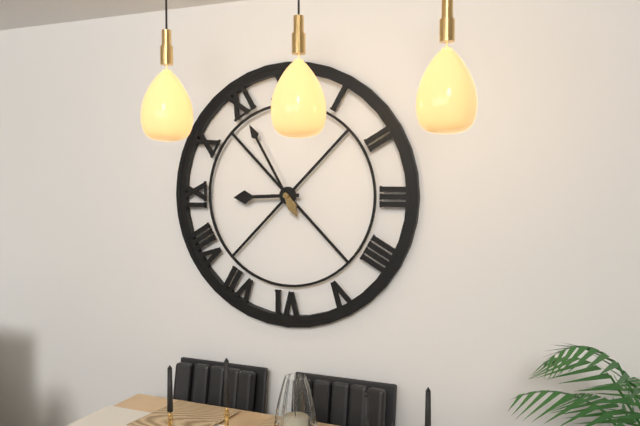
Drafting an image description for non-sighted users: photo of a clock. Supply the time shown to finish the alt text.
8:55
